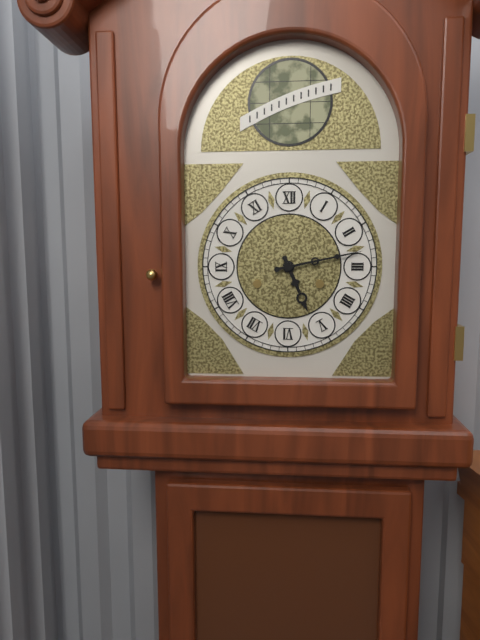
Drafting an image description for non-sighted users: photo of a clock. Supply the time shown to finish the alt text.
5:13
